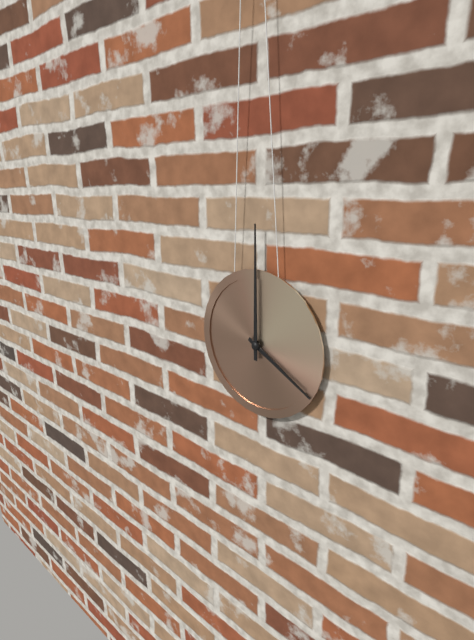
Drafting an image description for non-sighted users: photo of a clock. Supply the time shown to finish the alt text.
4:00
